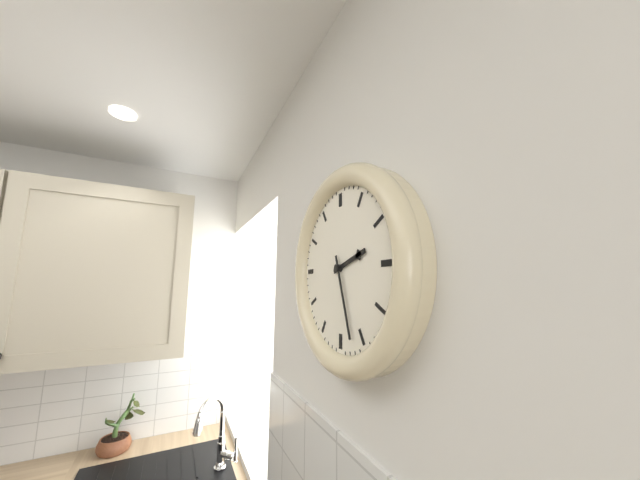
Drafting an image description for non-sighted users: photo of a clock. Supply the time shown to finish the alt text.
2:27
